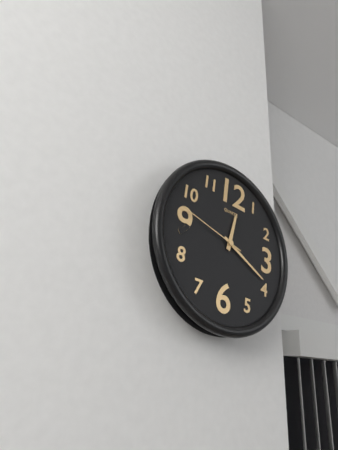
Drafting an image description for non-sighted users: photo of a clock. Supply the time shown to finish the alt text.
12:19:47
